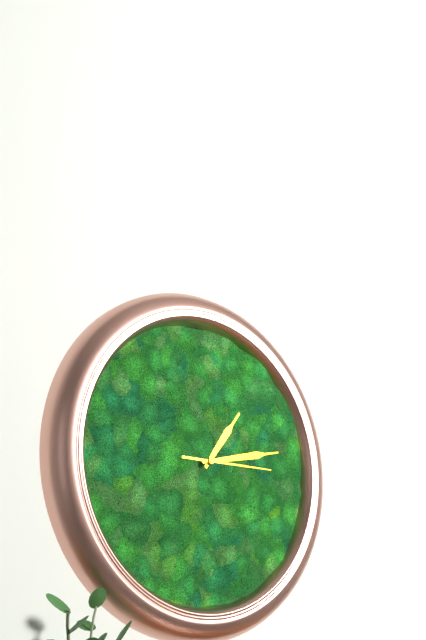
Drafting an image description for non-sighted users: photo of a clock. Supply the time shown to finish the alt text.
1:13:15
